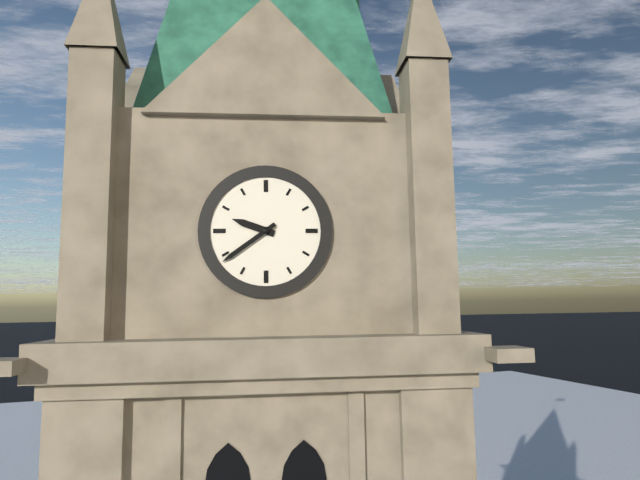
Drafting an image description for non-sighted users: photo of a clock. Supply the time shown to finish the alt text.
9:39
